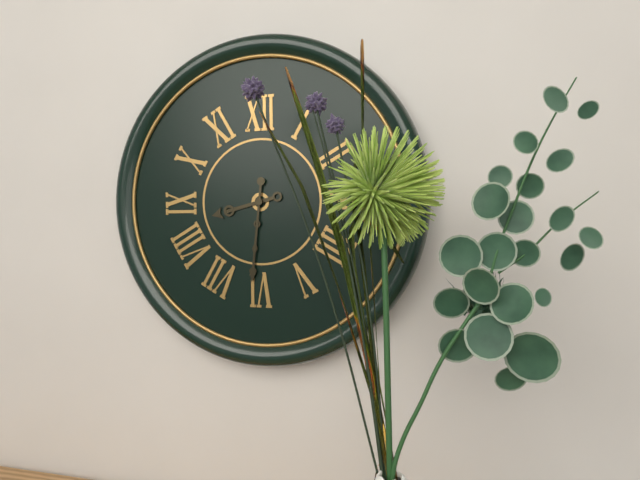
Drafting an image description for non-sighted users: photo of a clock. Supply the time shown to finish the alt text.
8:31
